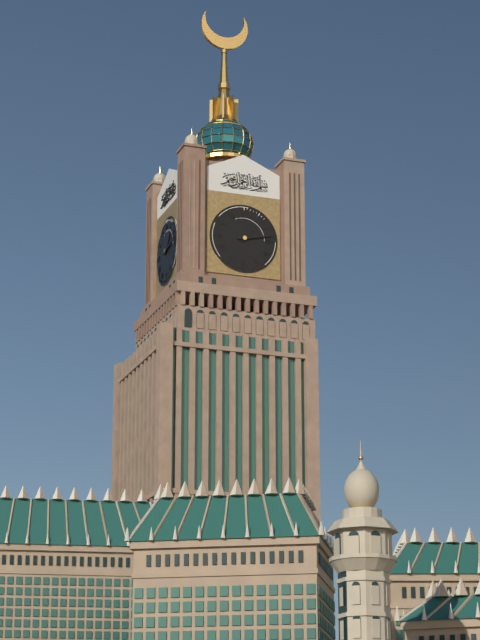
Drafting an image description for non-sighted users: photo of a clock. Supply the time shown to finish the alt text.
1:13
